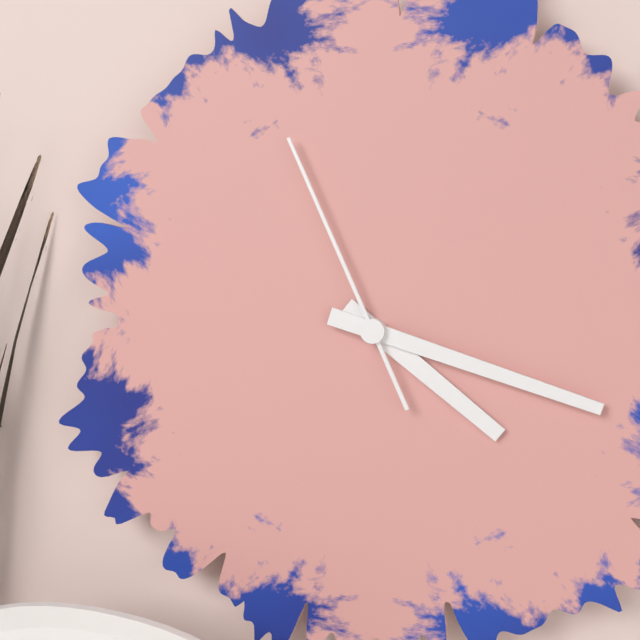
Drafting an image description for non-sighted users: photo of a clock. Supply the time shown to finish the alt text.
4:18:56
